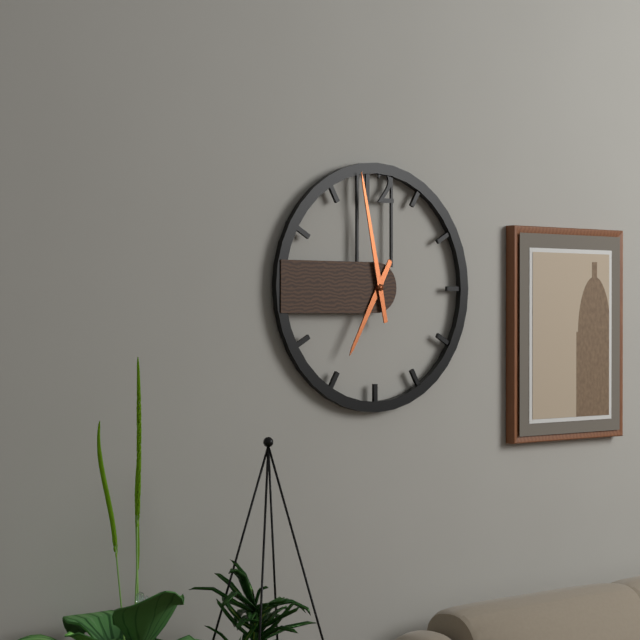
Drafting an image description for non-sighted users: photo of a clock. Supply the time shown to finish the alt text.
6:58
